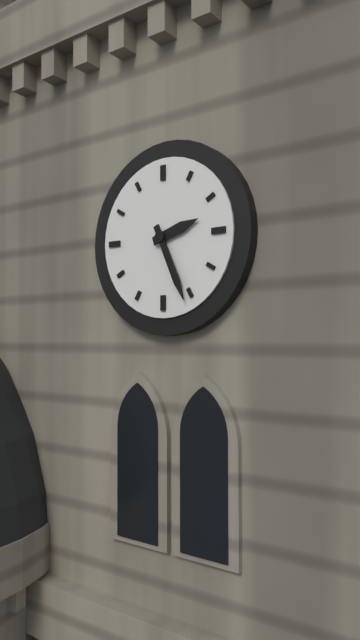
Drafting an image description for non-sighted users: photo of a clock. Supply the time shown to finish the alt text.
2:26
